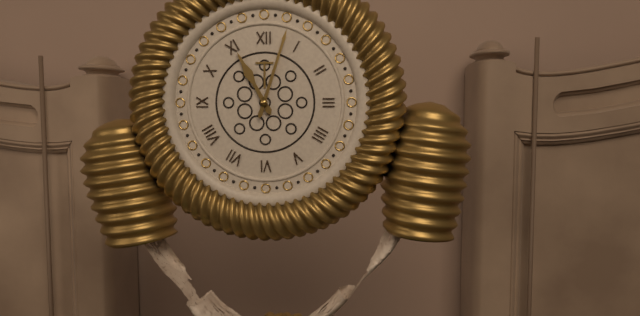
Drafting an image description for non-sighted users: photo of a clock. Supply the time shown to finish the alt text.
11:03
